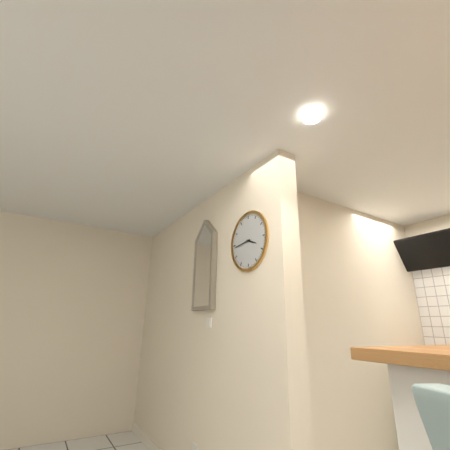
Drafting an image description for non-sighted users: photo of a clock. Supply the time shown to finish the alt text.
3:44
